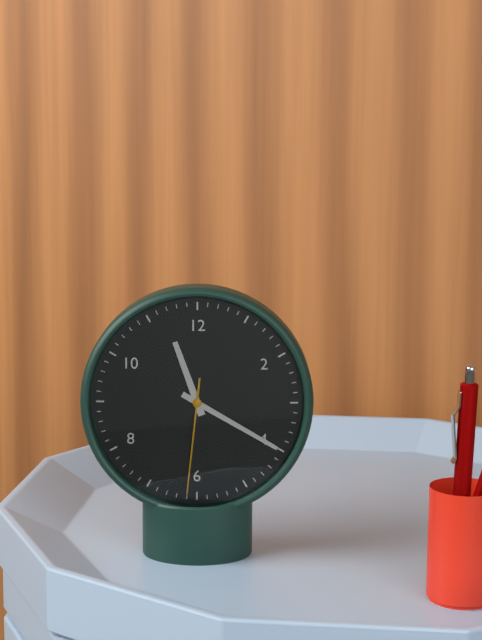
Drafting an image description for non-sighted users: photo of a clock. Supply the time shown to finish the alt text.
11:20:31
